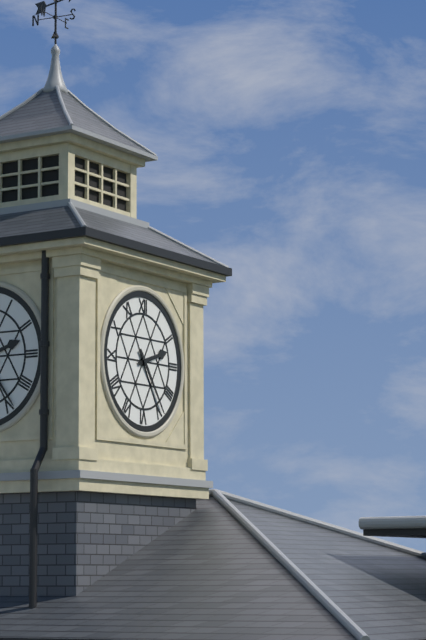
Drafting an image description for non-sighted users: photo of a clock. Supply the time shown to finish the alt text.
2:24
